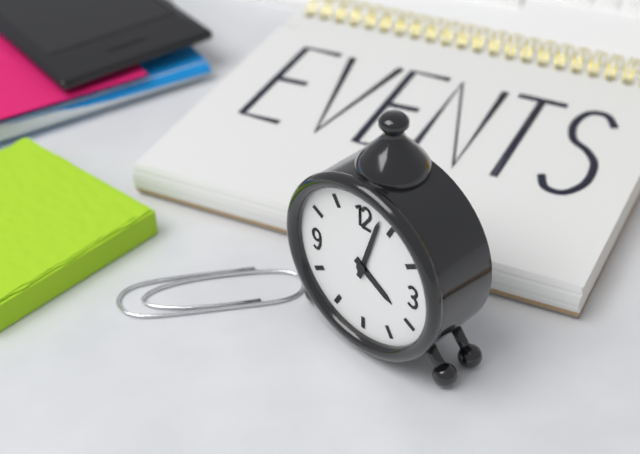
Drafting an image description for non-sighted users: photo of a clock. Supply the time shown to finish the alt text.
4:03
